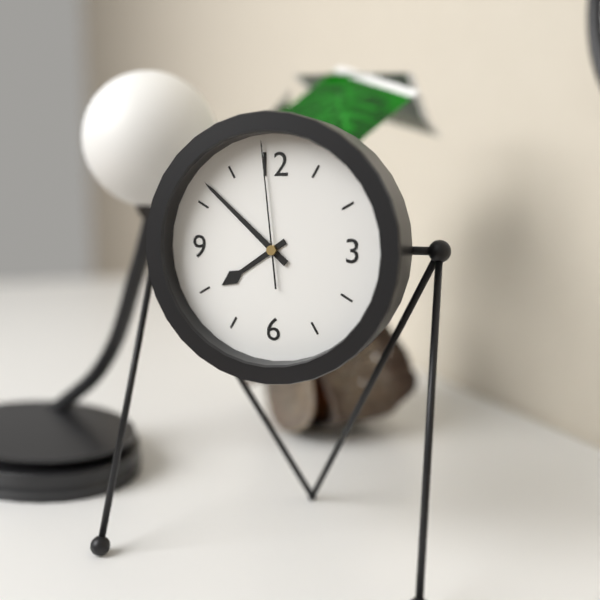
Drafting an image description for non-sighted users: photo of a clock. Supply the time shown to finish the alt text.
7:52:59
